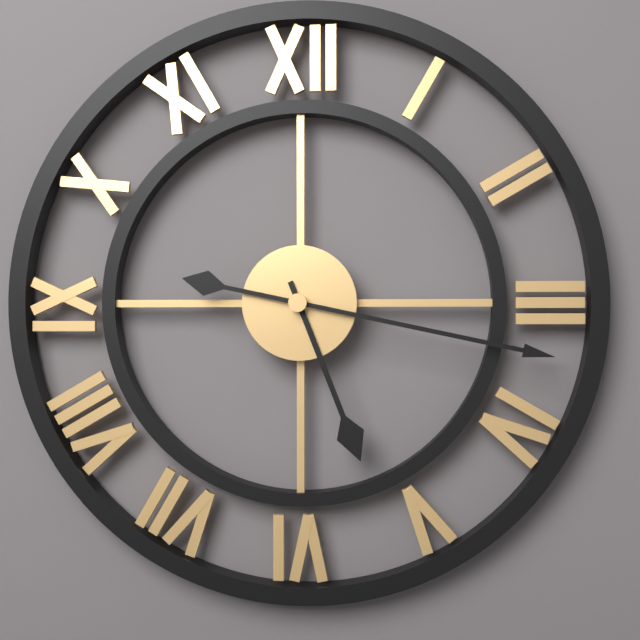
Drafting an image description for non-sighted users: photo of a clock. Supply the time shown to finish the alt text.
5:17
